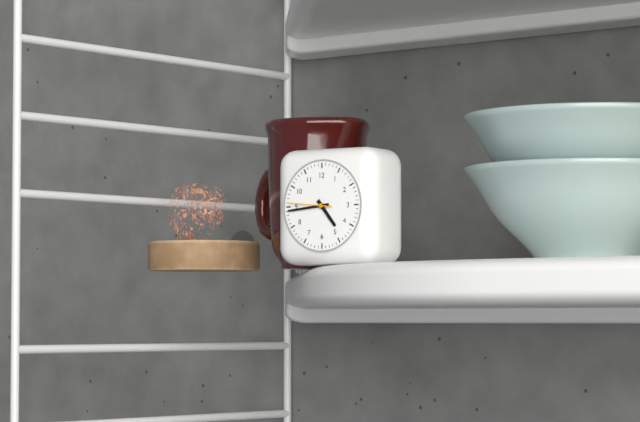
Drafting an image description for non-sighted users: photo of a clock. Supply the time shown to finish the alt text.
4:44
